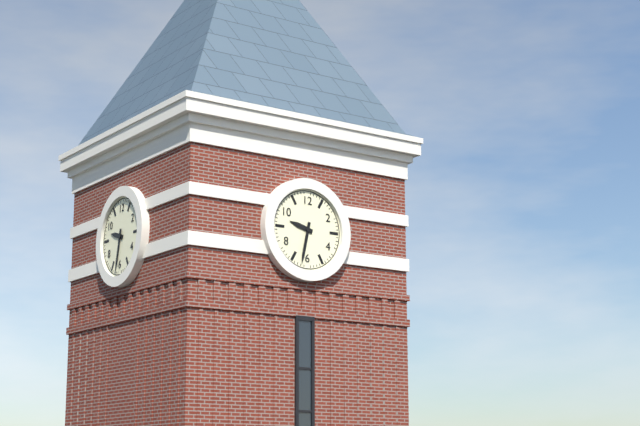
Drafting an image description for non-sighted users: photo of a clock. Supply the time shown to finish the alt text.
9:32
